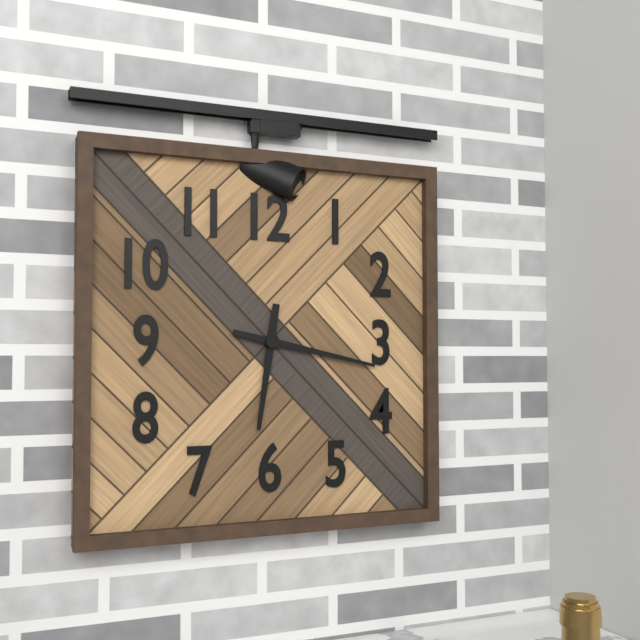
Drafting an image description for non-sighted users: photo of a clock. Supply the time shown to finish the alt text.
6:17
